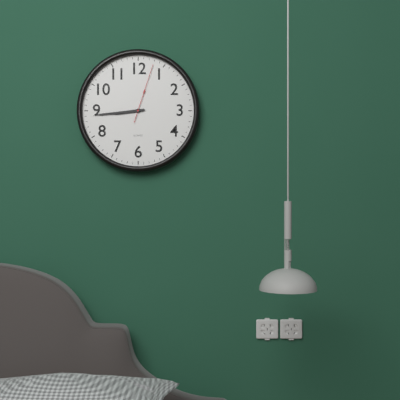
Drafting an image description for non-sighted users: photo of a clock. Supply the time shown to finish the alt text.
8:44:03
